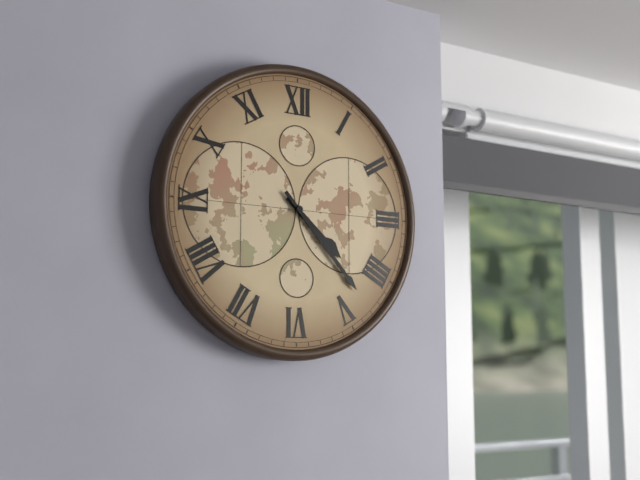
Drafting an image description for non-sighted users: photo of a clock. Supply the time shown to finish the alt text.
4:23
